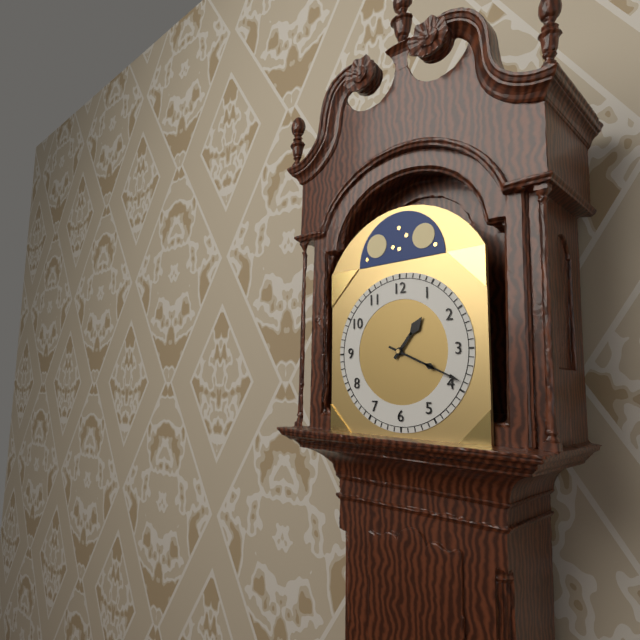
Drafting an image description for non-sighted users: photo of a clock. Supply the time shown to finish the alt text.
1:19
